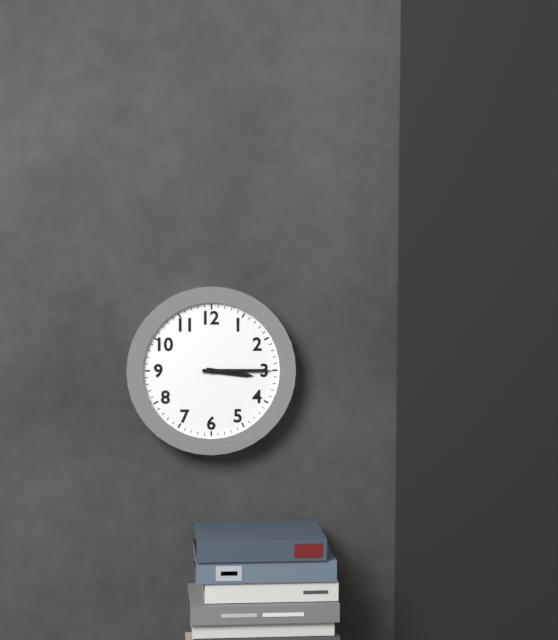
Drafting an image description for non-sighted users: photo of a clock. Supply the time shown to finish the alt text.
3:15
